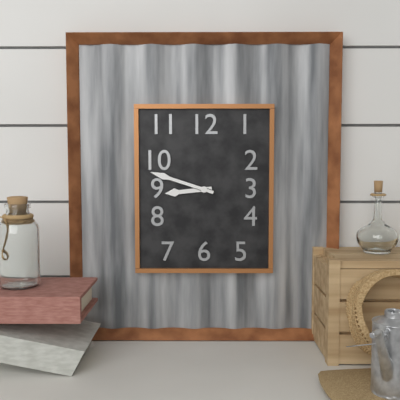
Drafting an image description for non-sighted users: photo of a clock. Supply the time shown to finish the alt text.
8:48
